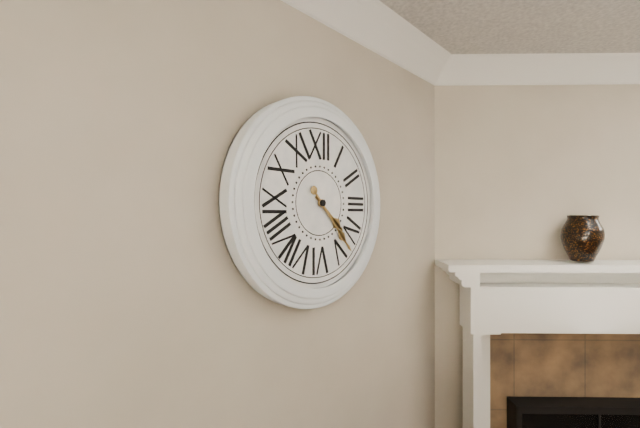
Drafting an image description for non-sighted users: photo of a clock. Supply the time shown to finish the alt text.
4:23
